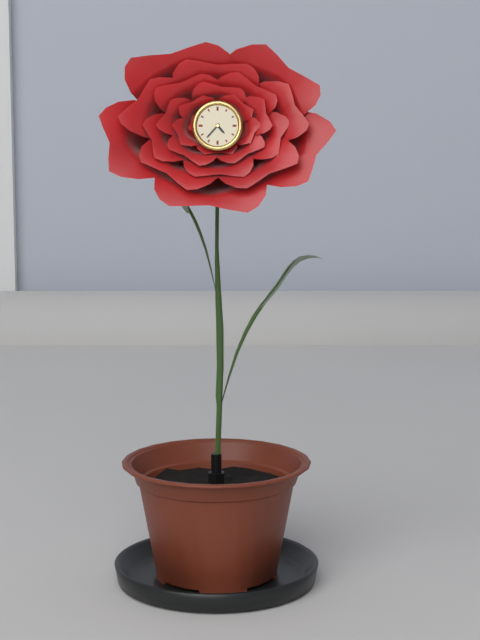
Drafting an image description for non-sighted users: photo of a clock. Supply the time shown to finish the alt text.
4:37
